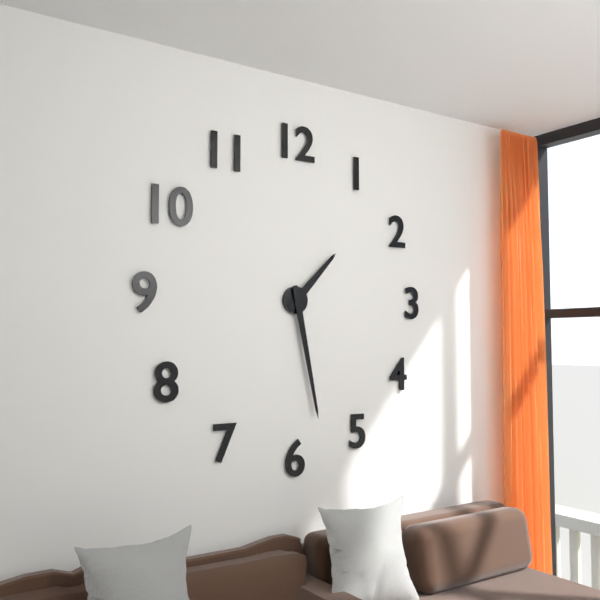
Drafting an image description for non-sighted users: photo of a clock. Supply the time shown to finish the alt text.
1:28
